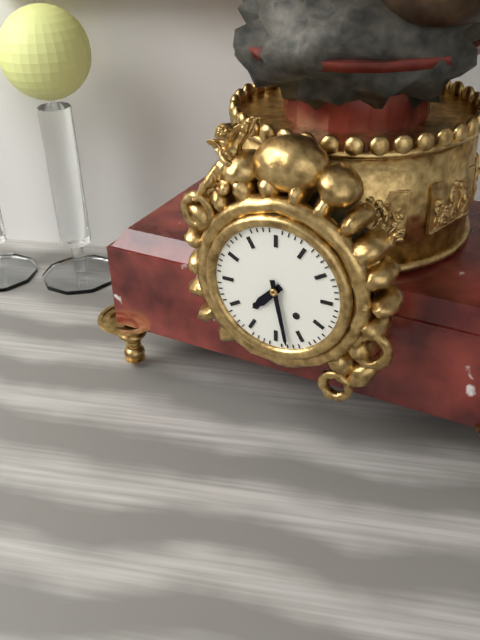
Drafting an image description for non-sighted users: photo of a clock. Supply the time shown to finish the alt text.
7:28
